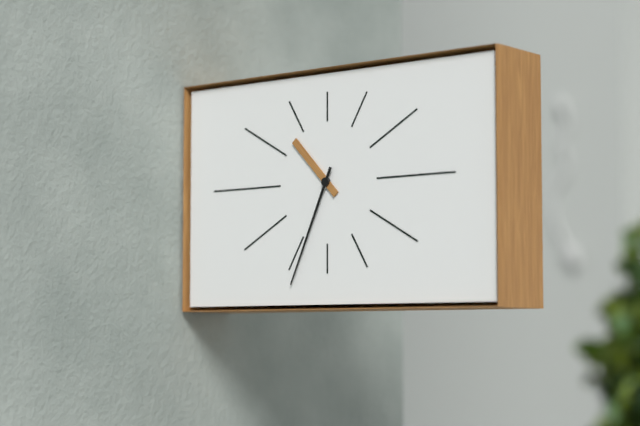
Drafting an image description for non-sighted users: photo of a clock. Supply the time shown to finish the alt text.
10:34
